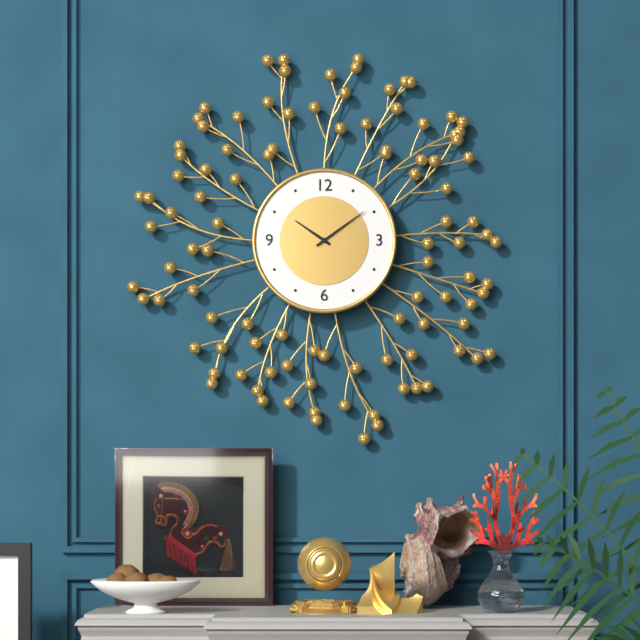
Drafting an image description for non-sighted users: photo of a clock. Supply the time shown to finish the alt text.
10:09
